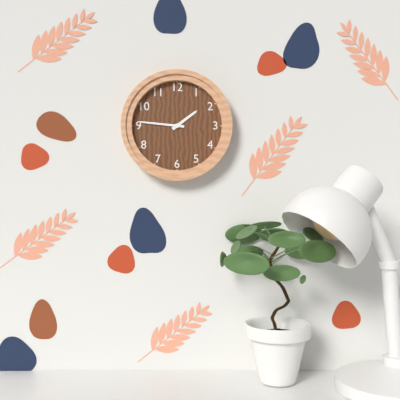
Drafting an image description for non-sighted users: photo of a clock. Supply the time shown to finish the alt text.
1:46
